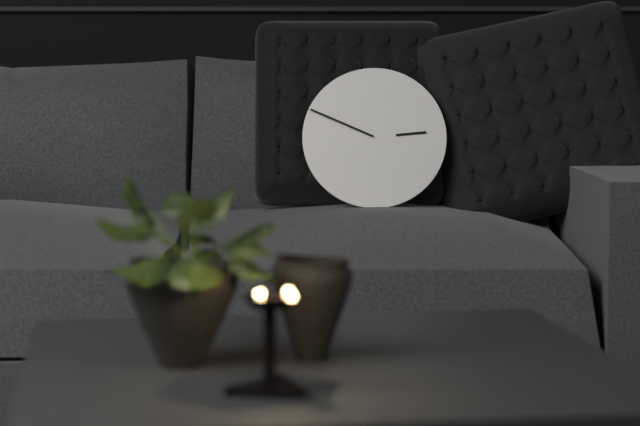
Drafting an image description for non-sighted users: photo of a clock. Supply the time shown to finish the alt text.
2:49
